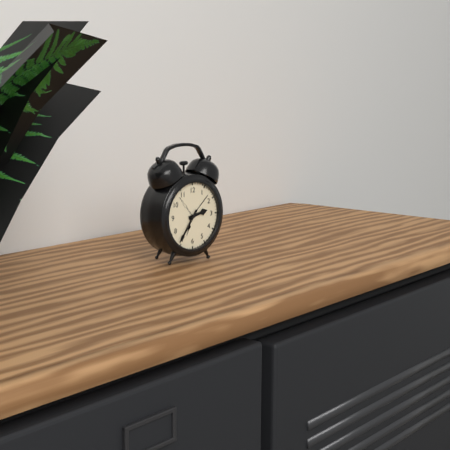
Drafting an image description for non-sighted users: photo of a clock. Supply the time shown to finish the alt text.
2:36
